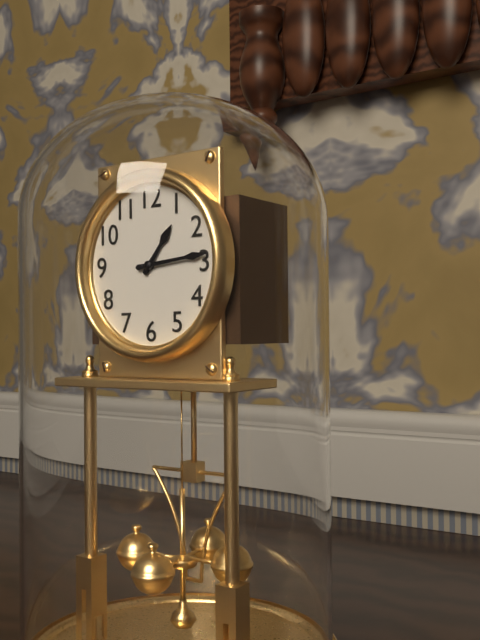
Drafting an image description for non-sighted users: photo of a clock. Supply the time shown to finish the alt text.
1:14
